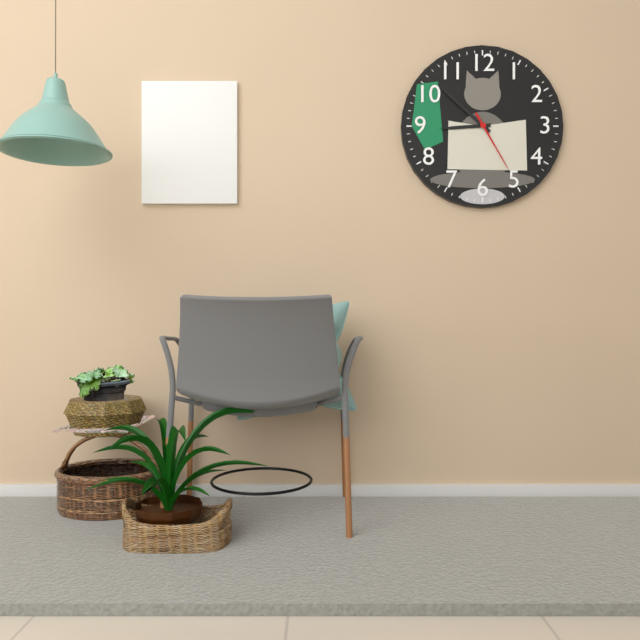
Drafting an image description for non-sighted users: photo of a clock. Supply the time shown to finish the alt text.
8:52:25
